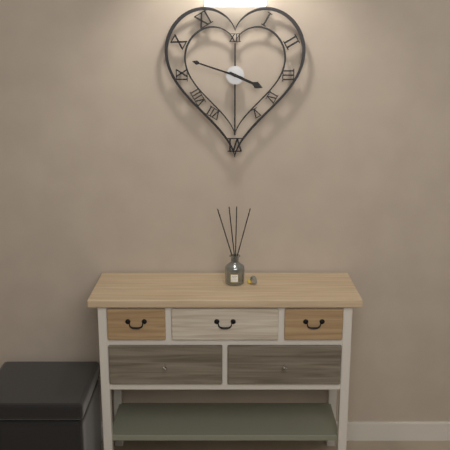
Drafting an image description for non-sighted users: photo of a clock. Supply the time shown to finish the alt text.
3:48
